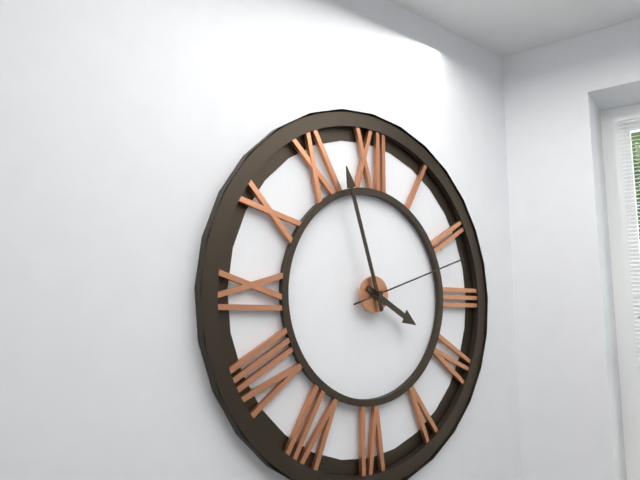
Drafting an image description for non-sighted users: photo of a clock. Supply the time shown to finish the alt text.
3:57:12
